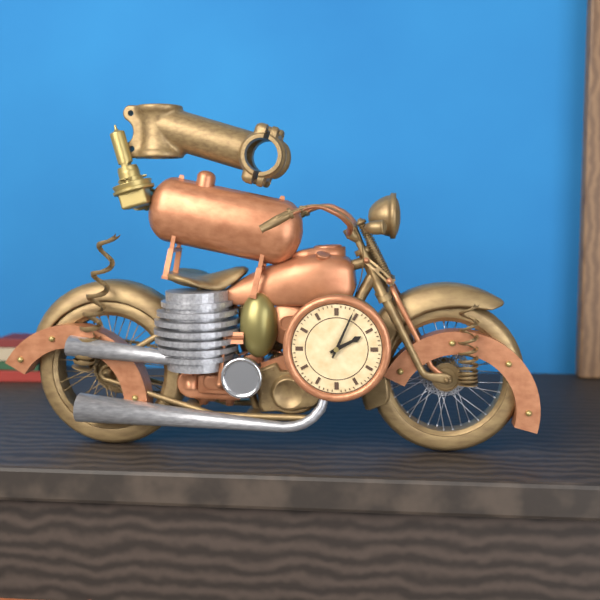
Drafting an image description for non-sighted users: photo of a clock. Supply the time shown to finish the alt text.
2:04
